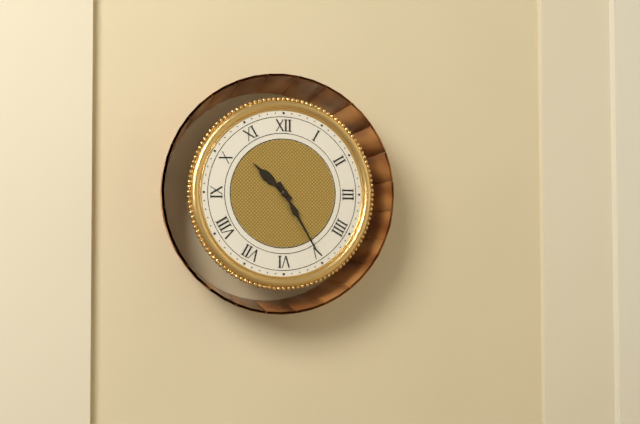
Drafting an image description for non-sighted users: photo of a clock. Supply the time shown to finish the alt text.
10:25
